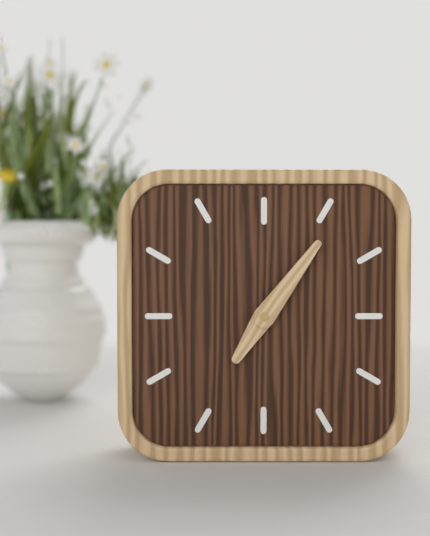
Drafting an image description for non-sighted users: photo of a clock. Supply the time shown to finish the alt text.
7:06
